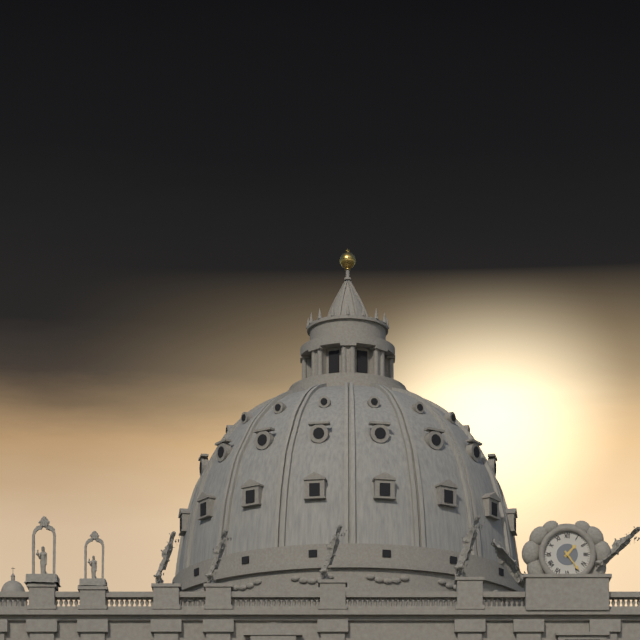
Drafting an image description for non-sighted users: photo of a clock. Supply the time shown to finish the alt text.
1:24
